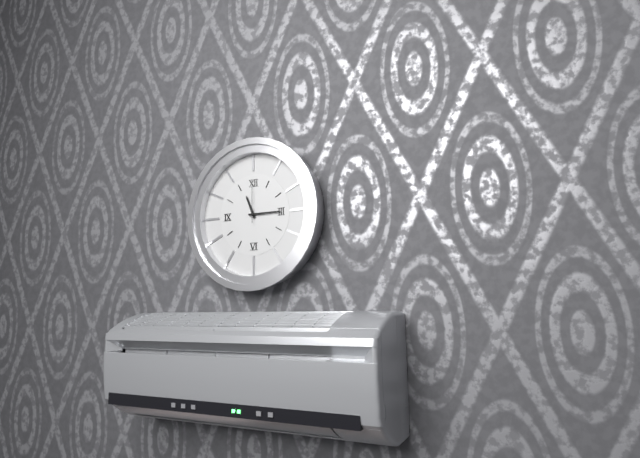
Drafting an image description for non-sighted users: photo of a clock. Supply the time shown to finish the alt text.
11:15
